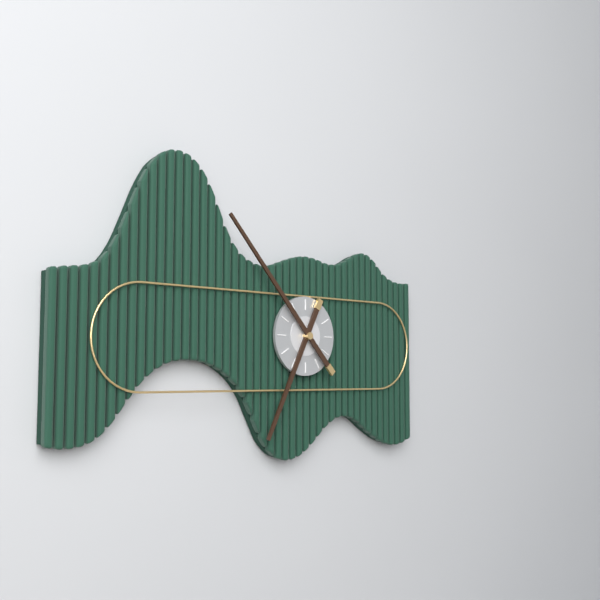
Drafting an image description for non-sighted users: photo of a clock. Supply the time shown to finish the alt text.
6:53
